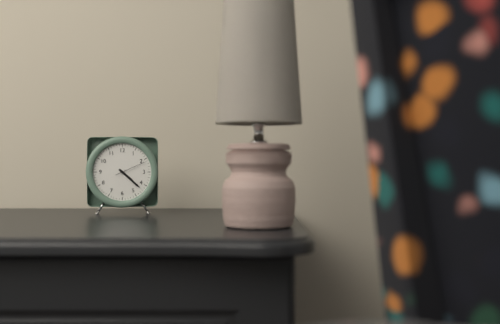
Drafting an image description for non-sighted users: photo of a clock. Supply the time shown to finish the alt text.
4:22
